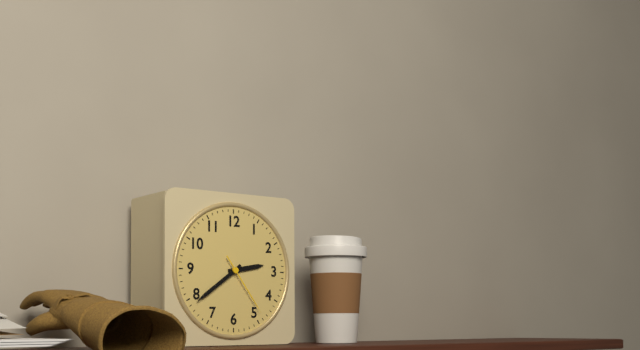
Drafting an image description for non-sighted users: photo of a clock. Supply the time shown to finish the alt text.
2:39:24
